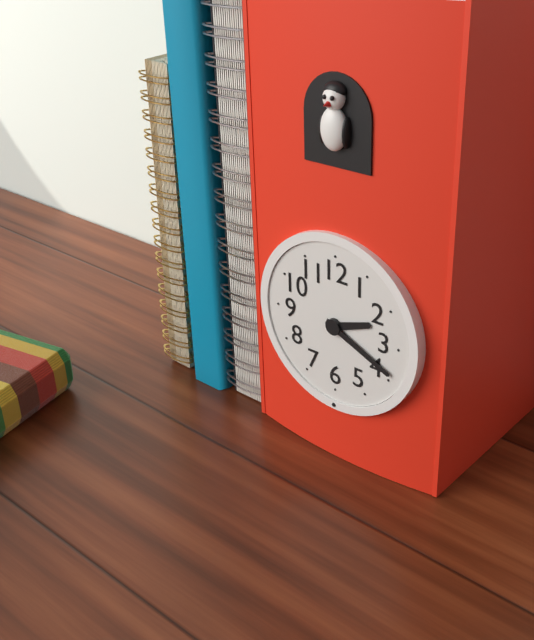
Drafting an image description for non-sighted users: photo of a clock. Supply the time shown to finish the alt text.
2:19
